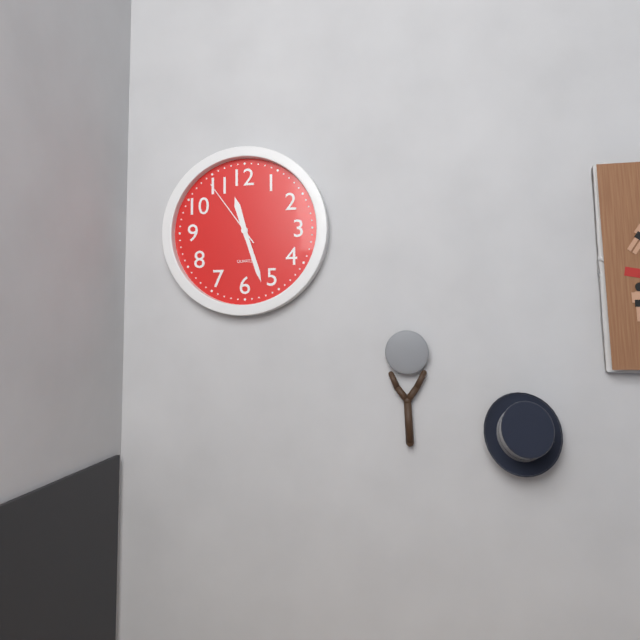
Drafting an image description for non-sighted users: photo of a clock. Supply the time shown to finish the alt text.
11:27:54
